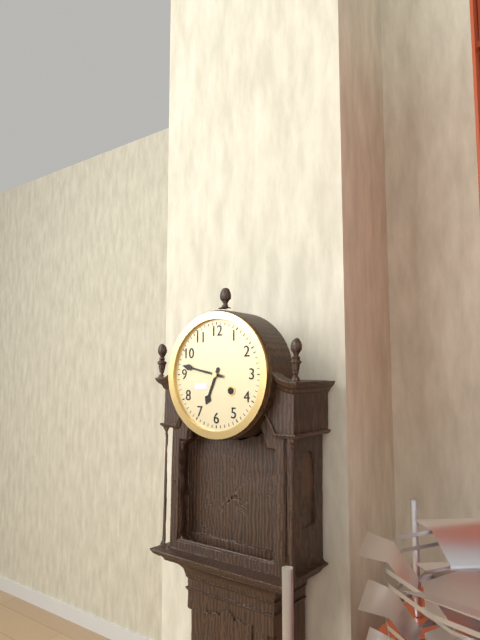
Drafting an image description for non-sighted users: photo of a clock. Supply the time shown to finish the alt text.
6:47
